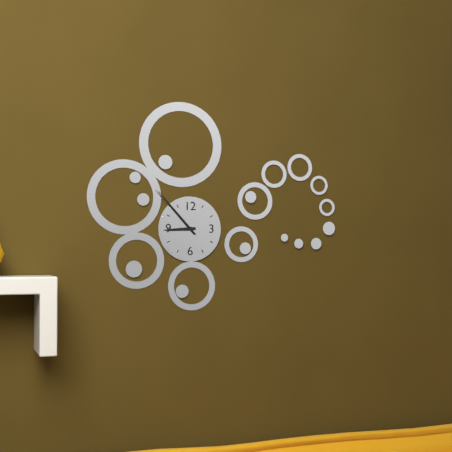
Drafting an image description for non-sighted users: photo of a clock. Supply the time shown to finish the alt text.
8:53
